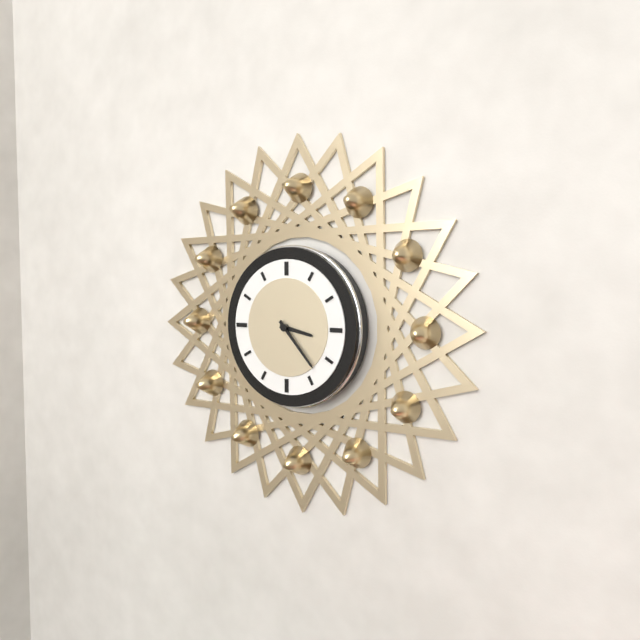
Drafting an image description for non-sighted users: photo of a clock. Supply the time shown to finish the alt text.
3:23
